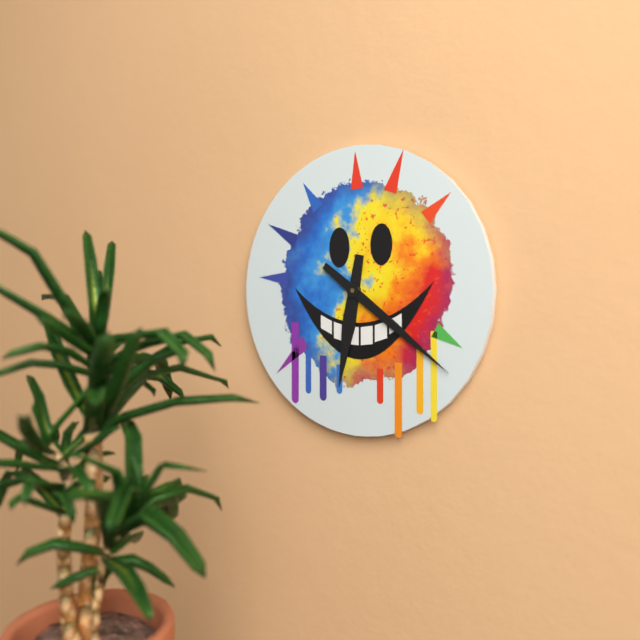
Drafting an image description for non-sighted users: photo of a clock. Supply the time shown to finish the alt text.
6:21
